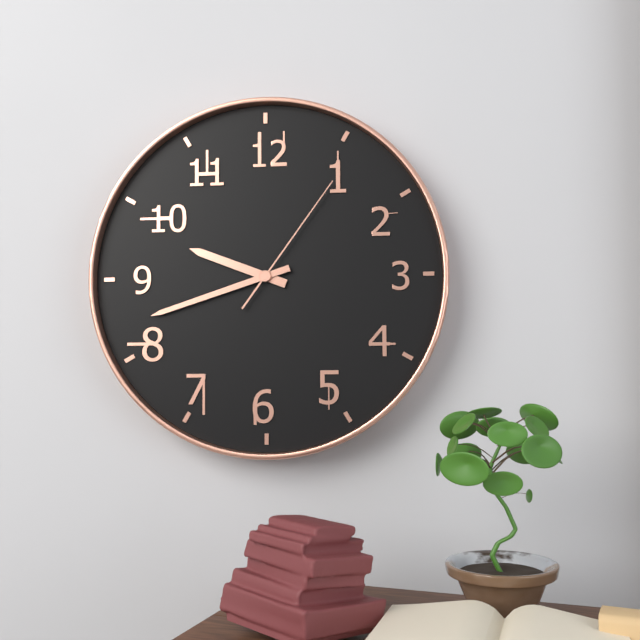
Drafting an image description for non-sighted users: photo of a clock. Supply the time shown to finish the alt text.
9:42:06
